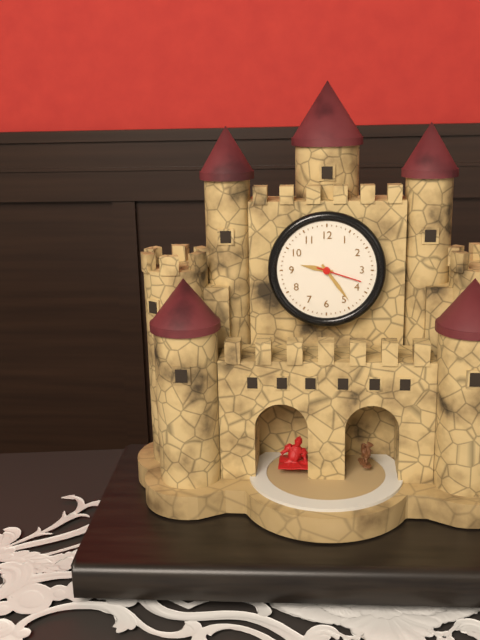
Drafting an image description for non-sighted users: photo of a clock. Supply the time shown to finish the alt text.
9:24
